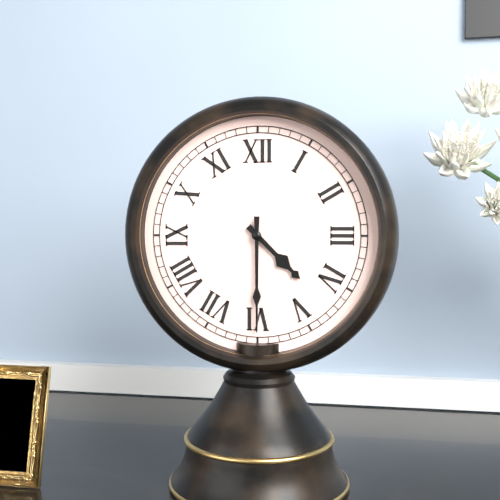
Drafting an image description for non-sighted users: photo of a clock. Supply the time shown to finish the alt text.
4:30
